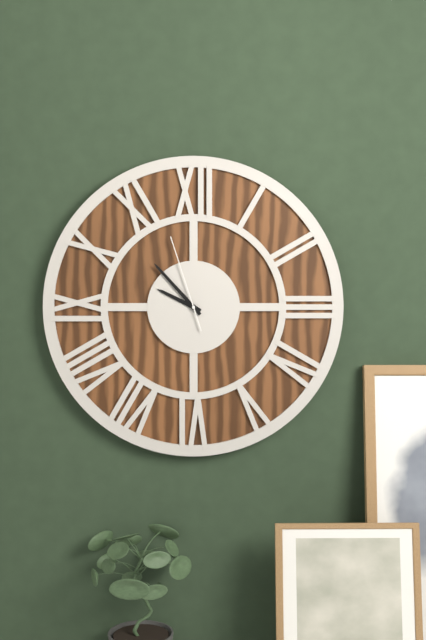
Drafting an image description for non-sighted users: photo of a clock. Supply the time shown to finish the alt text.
9:53:57
